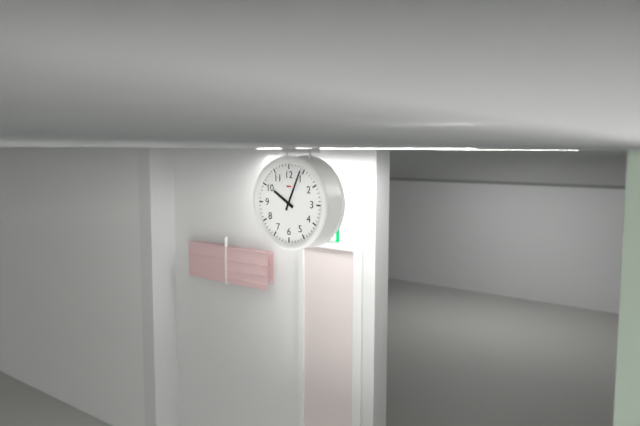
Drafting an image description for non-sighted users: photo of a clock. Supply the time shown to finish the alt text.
10:04
